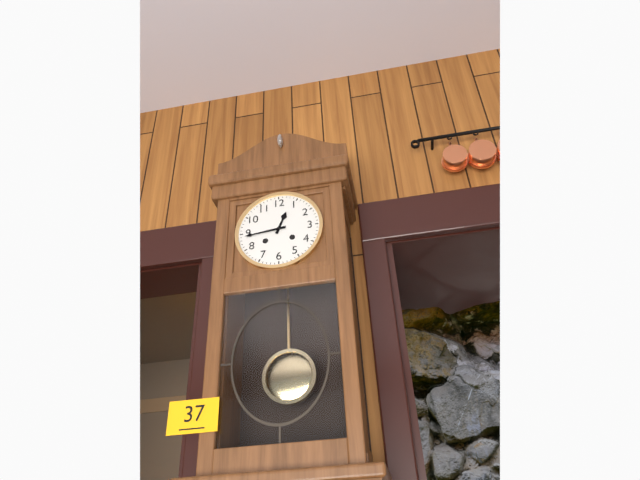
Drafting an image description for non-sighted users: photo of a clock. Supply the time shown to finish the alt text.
12:44
